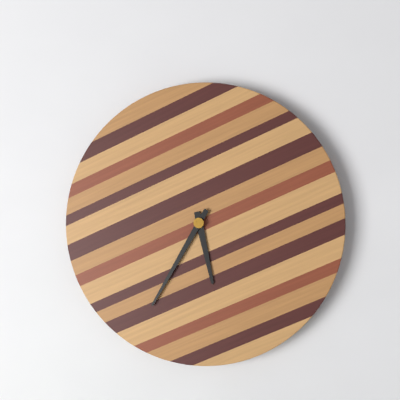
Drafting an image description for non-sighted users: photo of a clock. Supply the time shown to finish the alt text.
5:35
